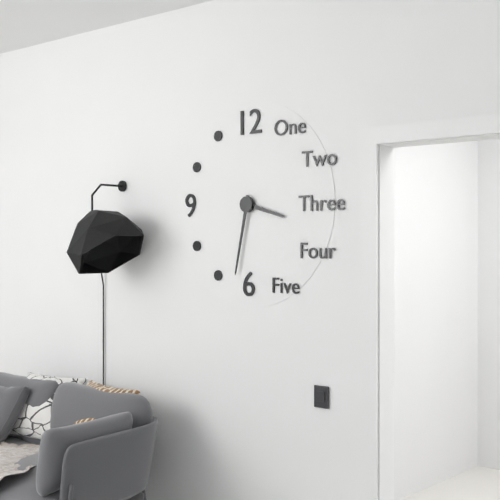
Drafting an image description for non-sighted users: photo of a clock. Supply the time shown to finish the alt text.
3:32
